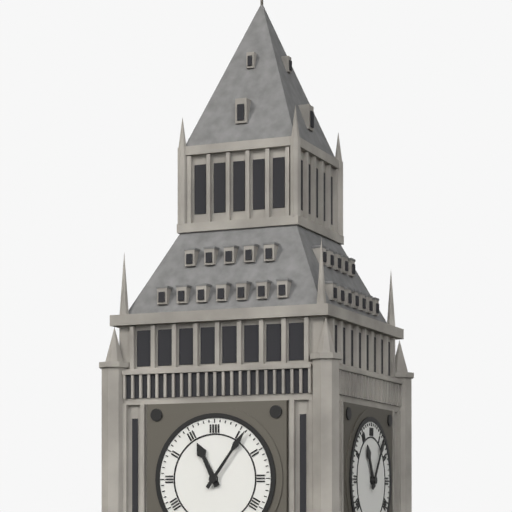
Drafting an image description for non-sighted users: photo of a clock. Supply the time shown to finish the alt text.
11:06
